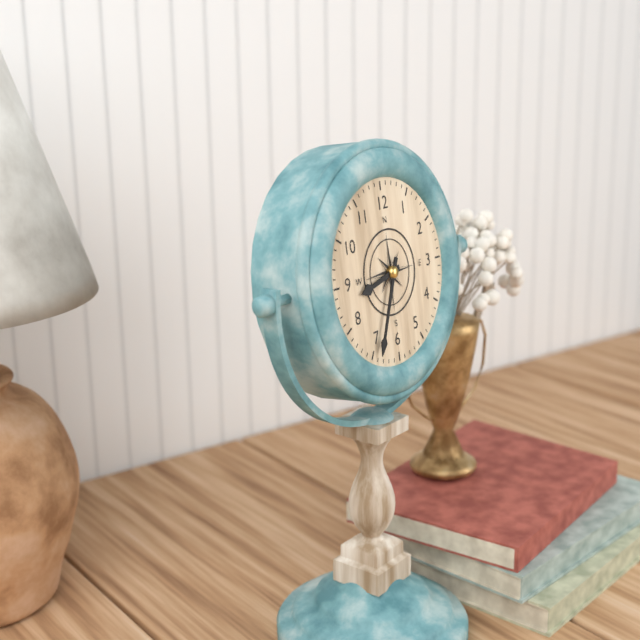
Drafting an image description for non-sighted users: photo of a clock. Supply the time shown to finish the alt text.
8:34
